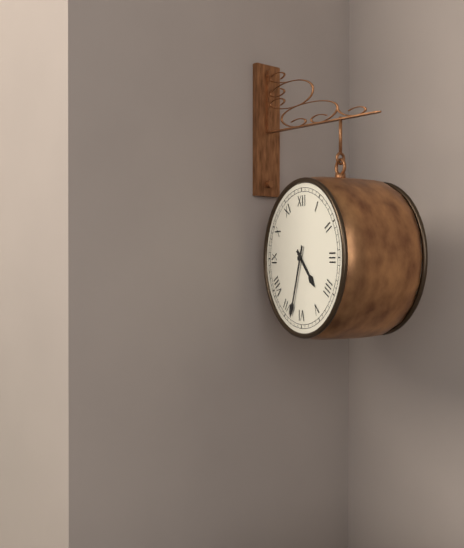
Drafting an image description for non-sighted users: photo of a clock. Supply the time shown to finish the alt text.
4:33
